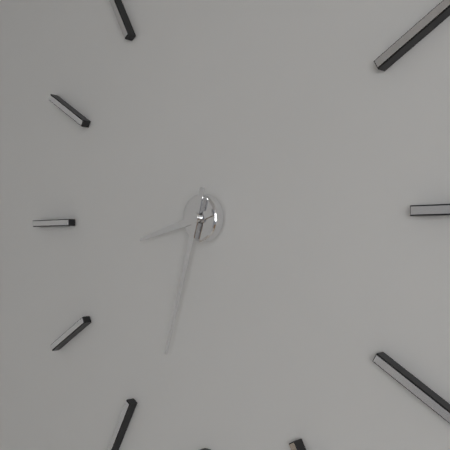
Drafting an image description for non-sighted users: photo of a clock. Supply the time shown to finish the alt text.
8:33
